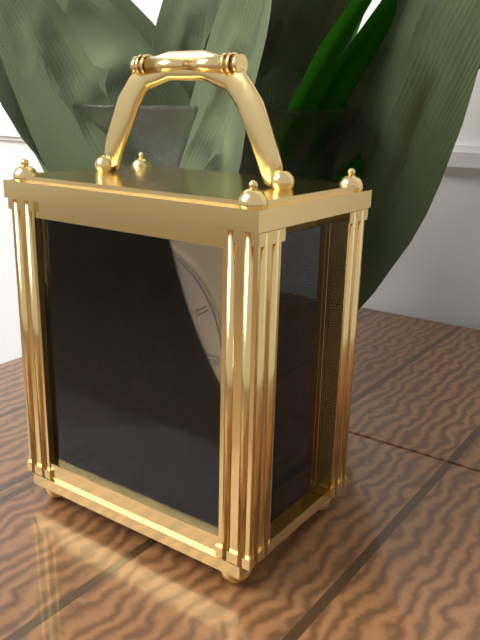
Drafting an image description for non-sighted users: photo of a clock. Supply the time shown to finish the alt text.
9:25
